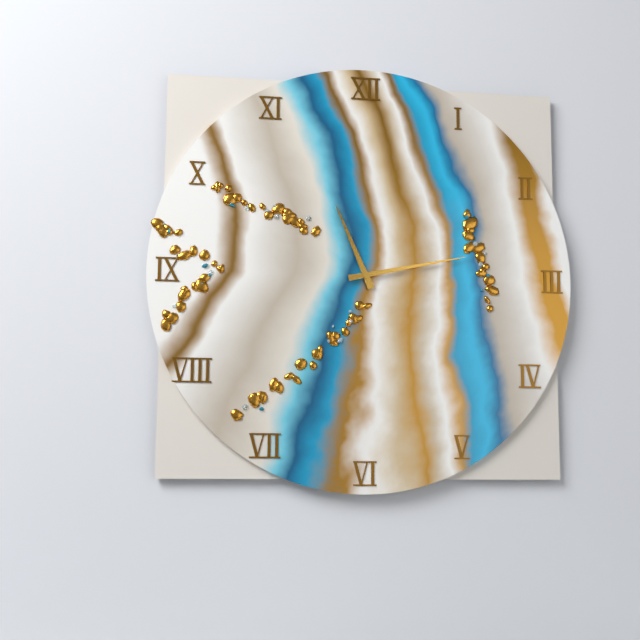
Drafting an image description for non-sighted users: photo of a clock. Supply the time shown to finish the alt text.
11:13
